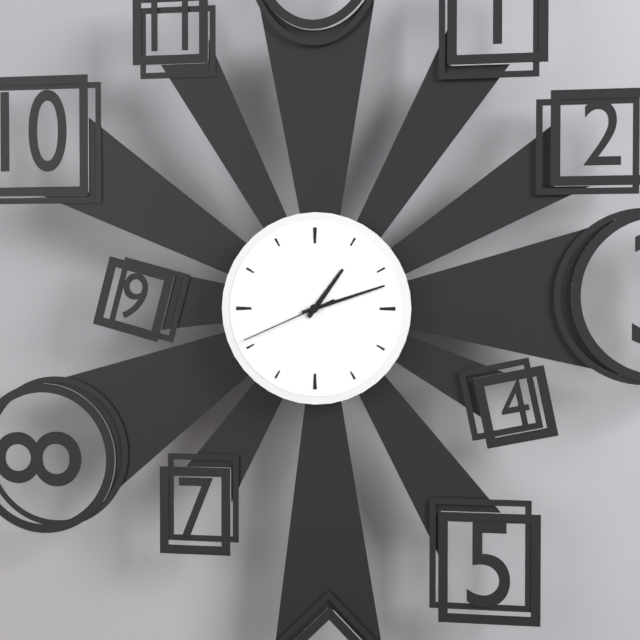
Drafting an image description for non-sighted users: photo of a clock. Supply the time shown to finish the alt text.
1:12:41
